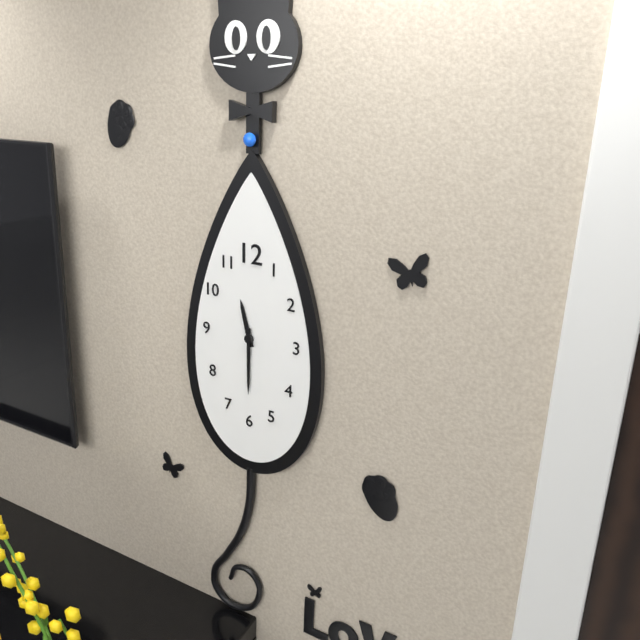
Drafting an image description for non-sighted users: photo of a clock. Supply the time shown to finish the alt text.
11:30
